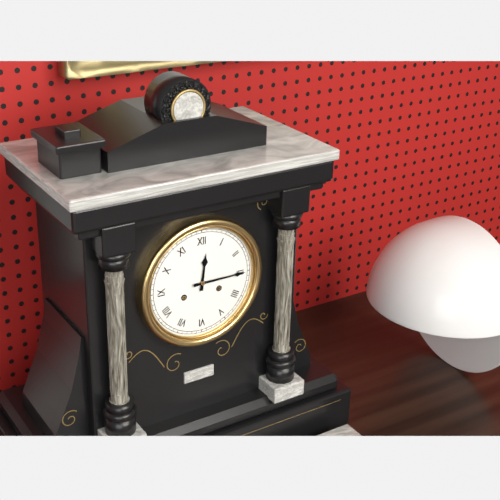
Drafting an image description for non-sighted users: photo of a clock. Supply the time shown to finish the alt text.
12:15
